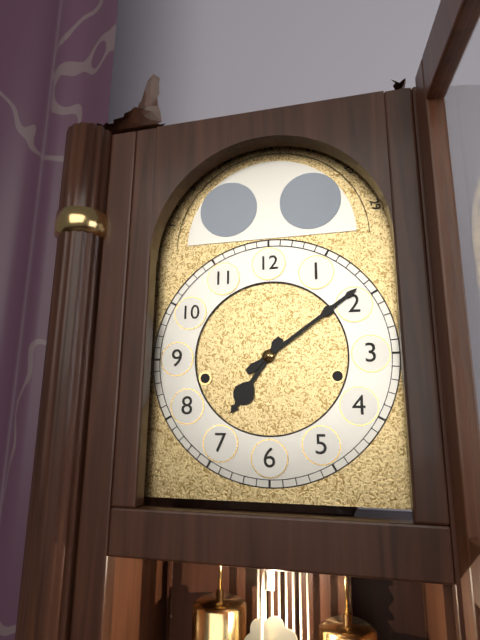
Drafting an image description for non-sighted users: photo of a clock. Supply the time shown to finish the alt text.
7:09
